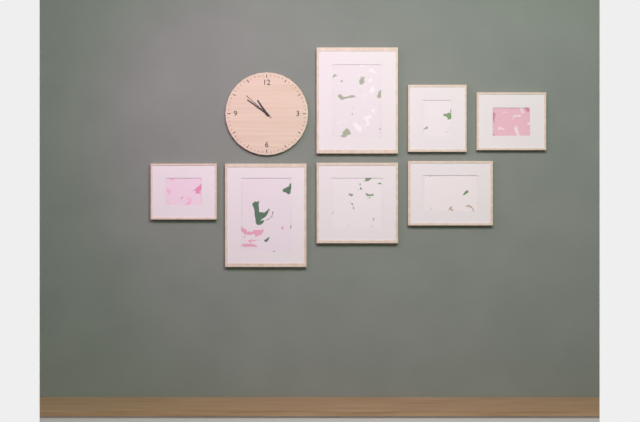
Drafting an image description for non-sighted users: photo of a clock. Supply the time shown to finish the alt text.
10:51
